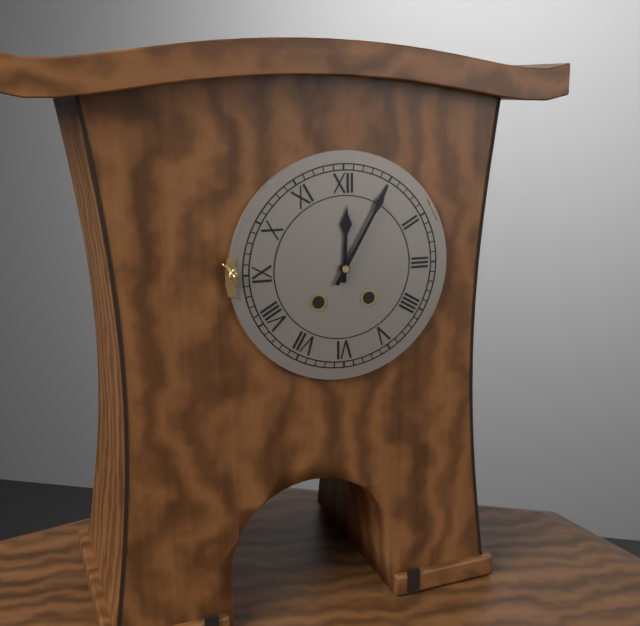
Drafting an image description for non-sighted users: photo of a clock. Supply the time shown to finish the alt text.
12:05
